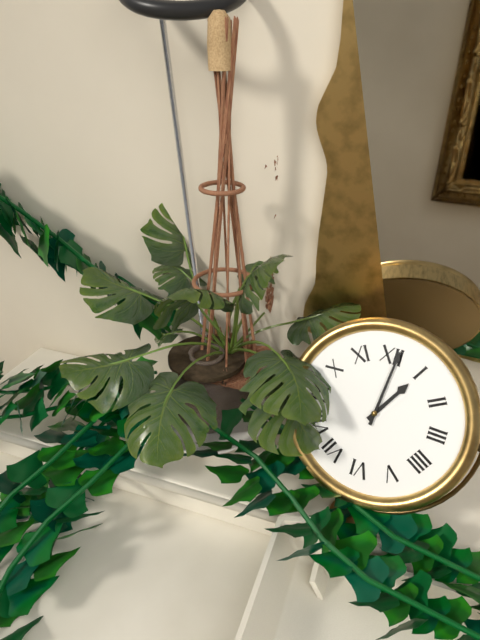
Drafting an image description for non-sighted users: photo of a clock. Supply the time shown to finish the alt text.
1:01
